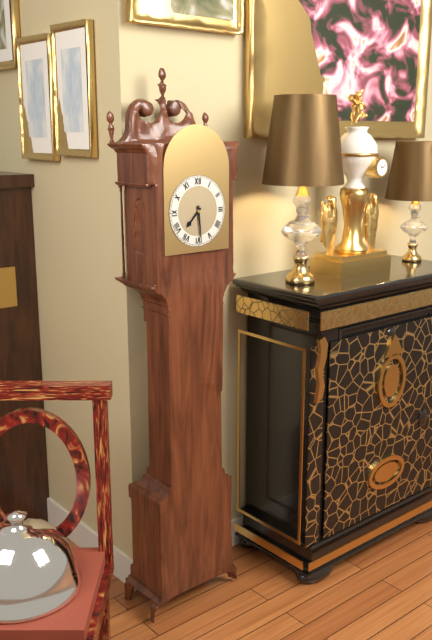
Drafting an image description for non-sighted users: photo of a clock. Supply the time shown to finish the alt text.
7:29
